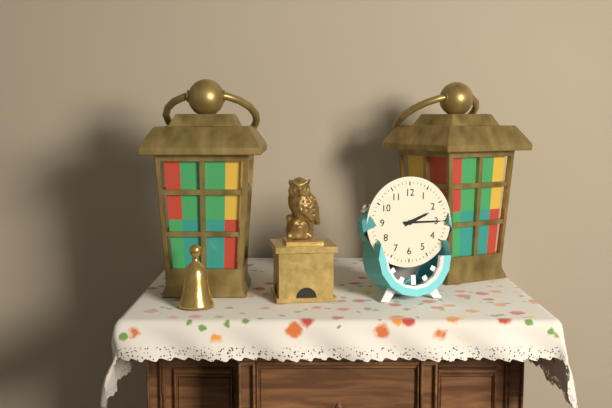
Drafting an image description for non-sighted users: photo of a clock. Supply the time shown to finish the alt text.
2:15
